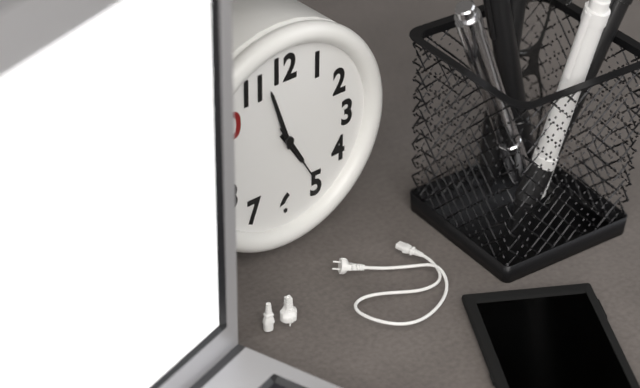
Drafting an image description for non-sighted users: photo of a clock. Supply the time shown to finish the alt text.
4:57:25
